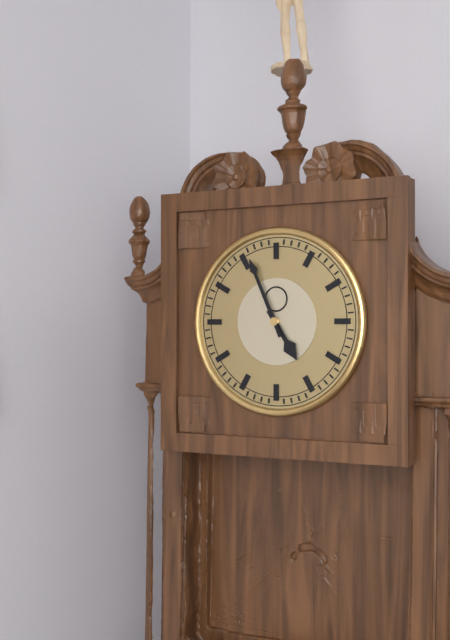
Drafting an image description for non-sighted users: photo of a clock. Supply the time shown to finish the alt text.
4:56
